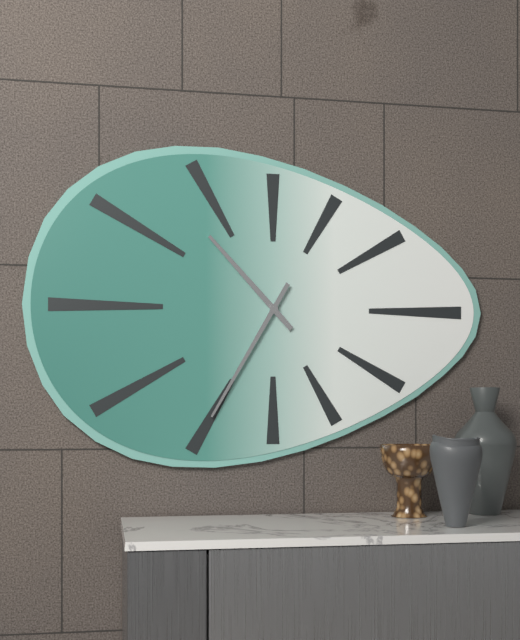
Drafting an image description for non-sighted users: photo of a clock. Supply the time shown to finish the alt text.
10:35
